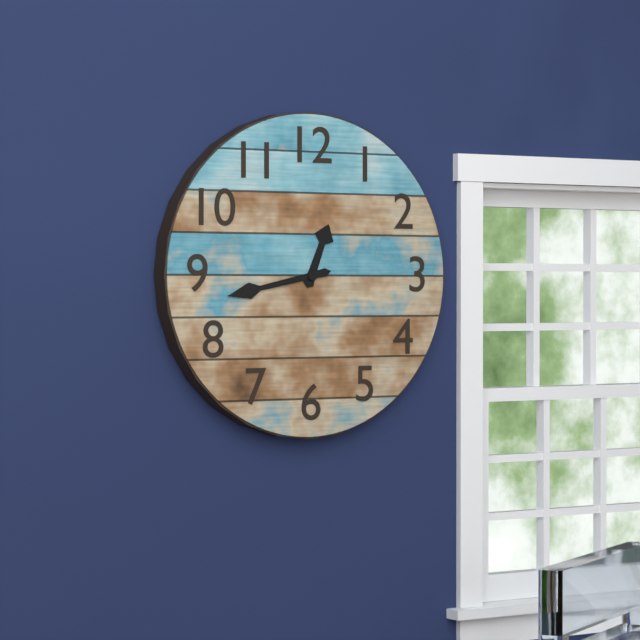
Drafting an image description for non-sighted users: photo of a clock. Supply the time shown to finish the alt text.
12:43
